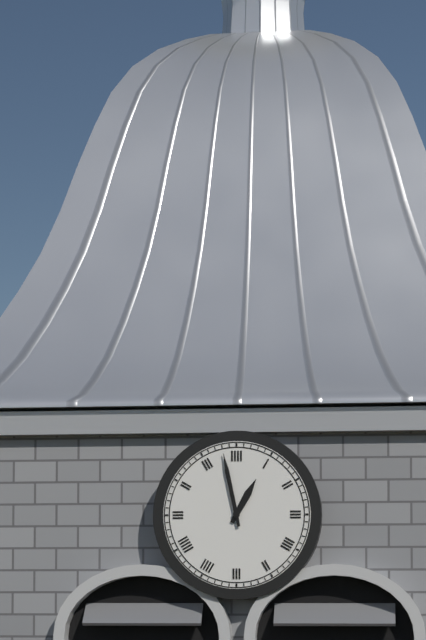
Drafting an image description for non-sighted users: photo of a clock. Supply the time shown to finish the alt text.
12:58
